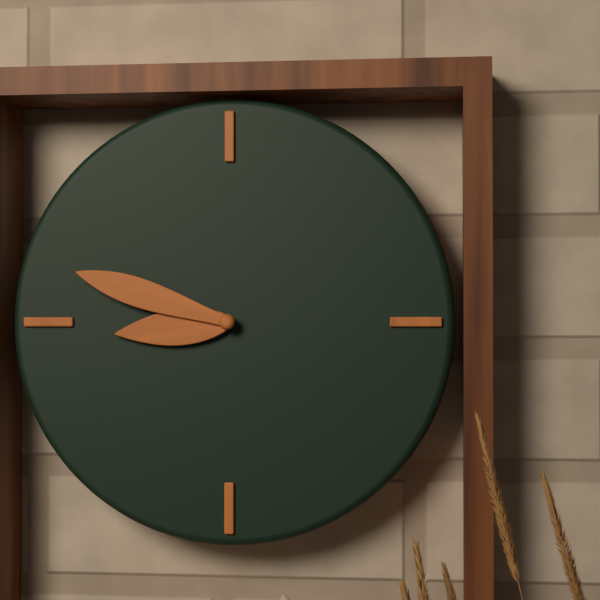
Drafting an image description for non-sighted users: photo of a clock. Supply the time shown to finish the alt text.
8:48
